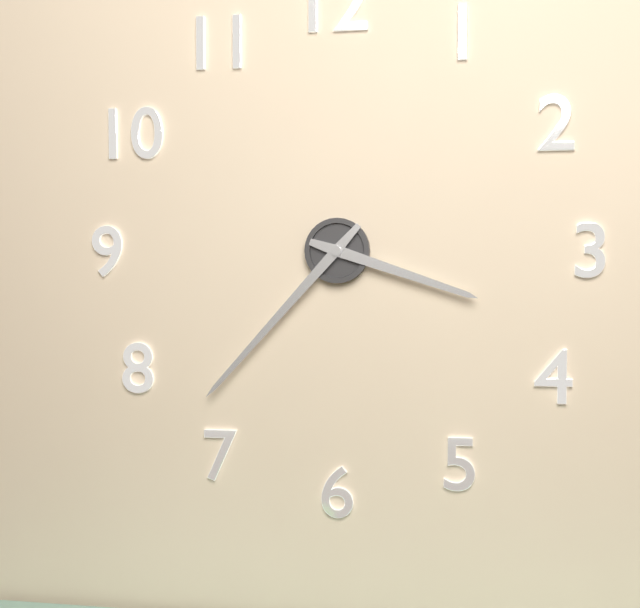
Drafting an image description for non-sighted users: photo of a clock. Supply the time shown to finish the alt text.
3:37
